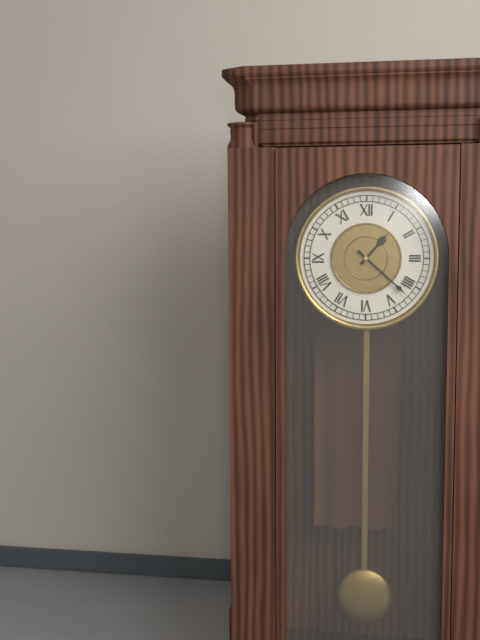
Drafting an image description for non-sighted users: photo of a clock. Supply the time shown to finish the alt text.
1:22
